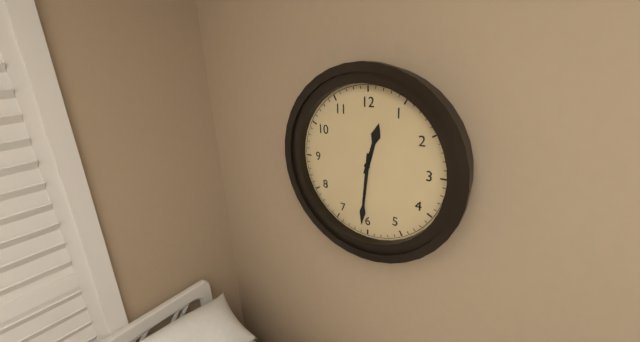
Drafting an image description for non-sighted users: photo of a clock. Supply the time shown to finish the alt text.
12:31
